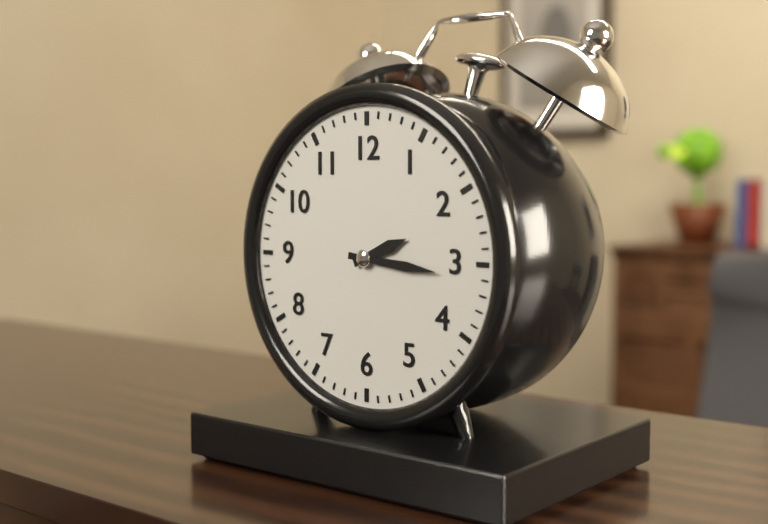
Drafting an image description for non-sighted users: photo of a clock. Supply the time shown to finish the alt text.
2:16
